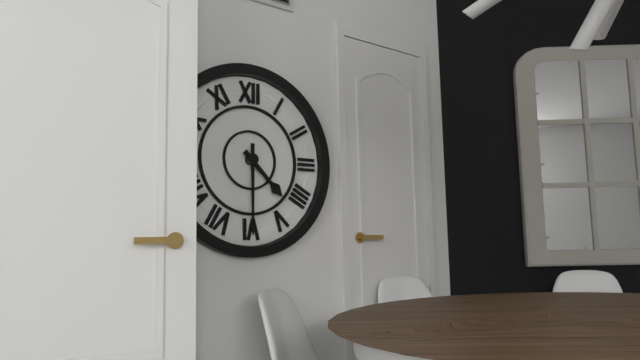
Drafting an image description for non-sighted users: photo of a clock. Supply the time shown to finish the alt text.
4:30
